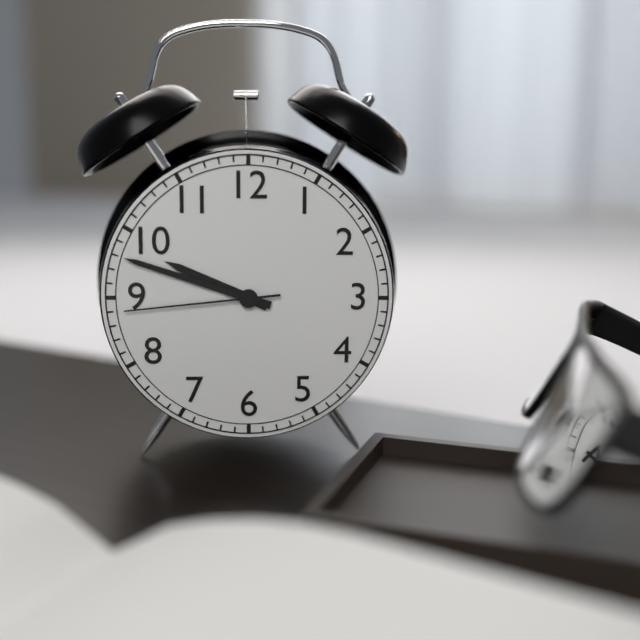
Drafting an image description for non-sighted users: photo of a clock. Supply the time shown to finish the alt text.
9:48:44
